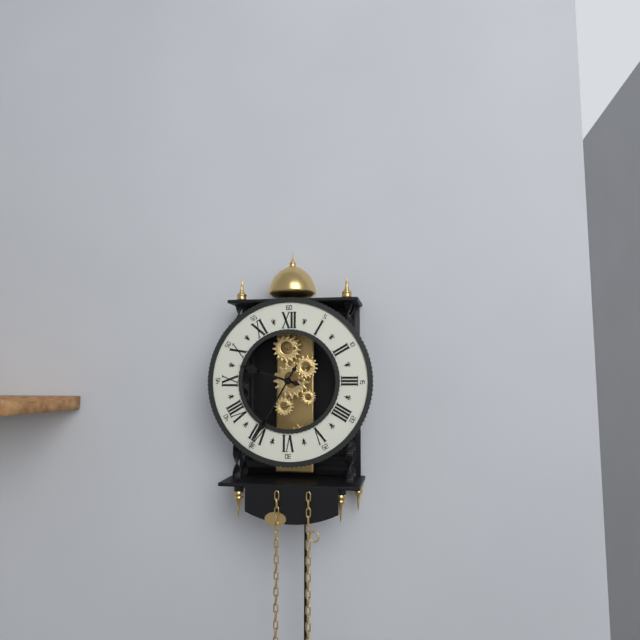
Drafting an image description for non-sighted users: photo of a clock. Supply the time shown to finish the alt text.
9:35
